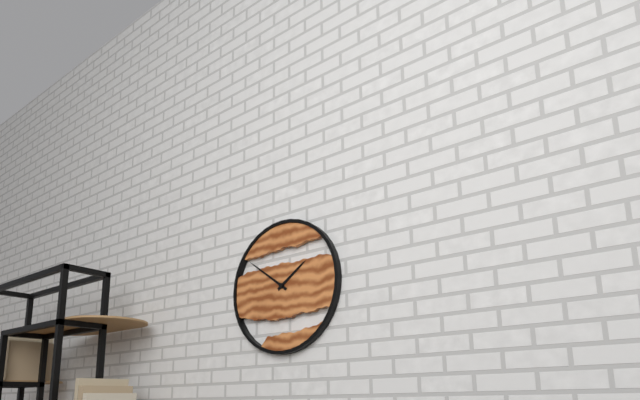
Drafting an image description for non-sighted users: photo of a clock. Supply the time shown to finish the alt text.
1:51
